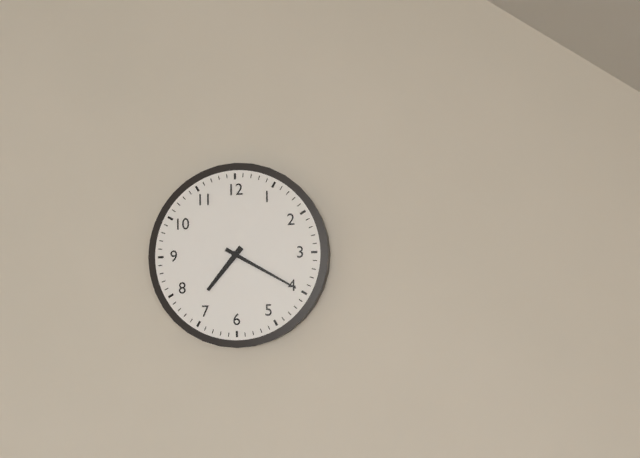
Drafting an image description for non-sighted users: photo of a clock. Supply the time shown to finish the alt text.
7:20
